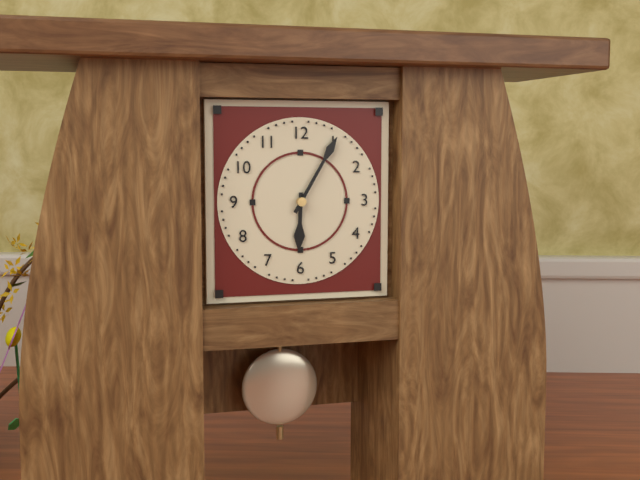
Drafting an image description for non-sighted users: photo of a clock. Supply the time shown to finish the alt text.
6:05
